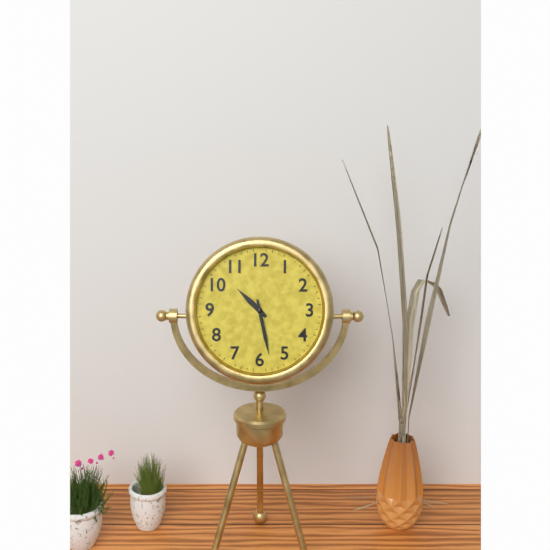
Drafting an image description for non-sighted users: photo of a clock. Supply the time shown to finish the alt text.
10:28
